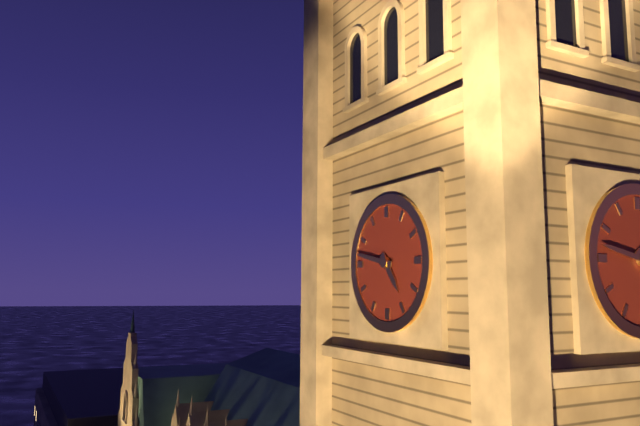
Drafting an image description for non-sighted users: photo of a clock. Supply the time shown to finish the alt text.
4:47
